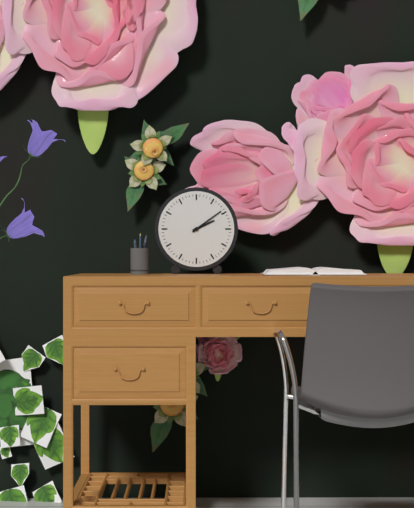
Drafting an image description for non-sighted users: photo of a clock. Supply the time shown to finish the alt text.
2:09
